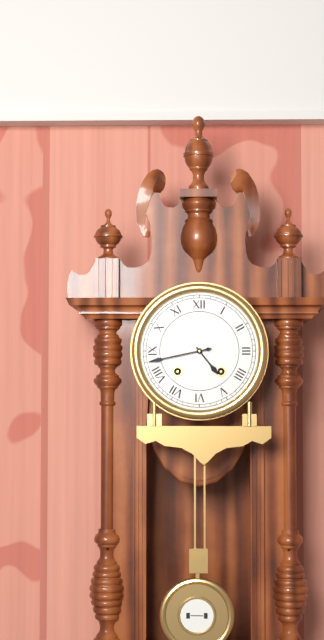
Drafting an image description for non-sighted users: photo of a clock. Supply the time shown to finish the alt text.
4:43
